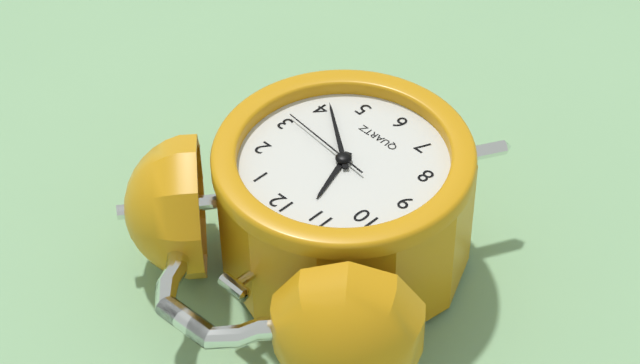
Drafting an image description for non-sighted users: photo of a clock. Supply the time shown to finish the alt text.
11:21:16
